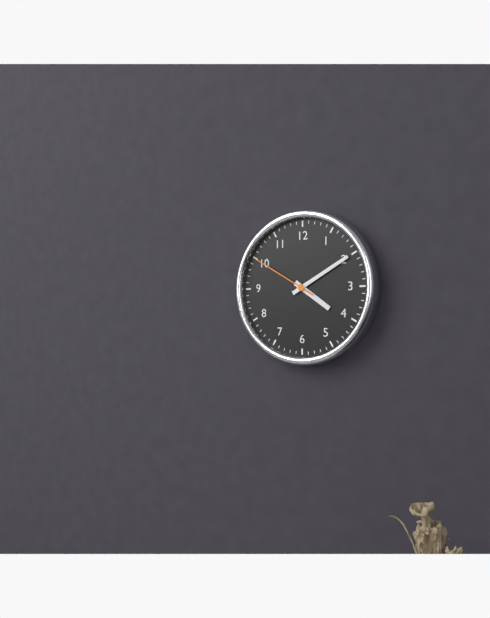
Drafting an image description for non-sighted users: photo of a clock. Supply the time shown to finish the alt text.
4:10:50
